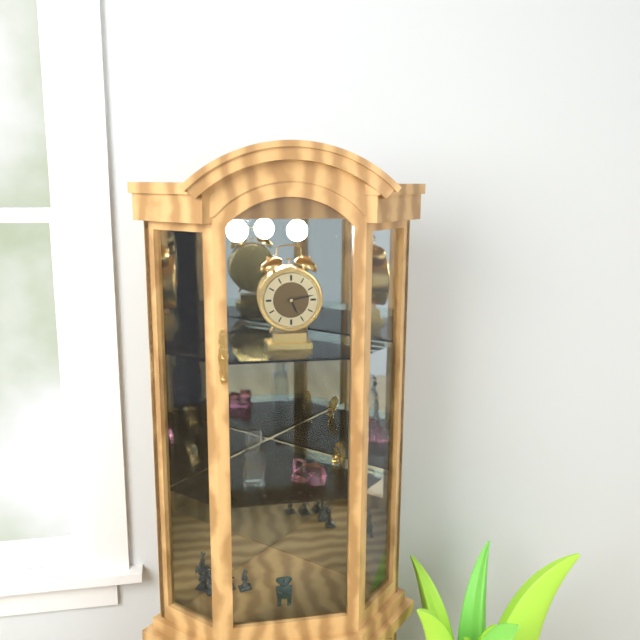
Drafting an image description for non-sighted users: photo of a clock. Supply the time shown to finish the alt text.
5:13
